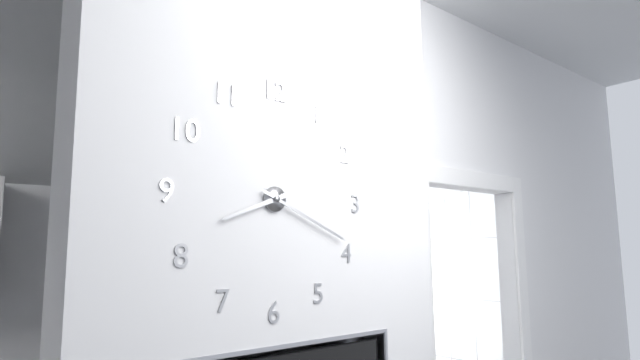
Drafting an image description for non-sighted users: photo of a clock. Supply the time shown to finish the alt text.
8:19
